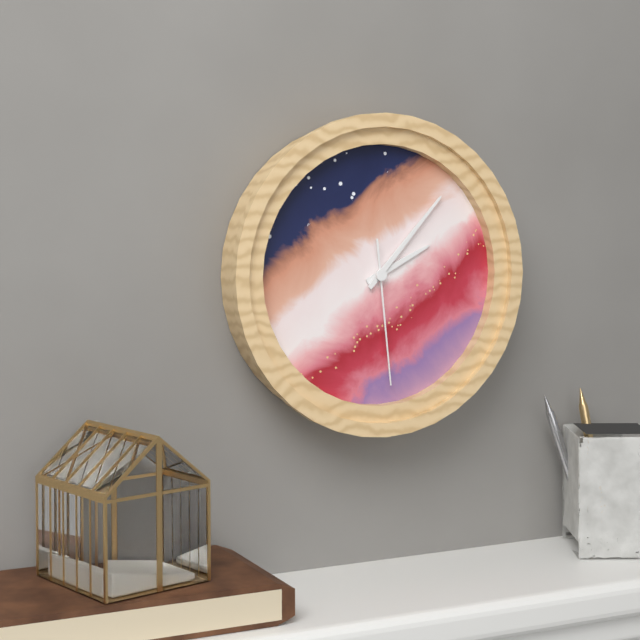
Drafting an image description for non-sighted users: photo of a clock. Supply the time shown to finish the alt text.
2:07:29
